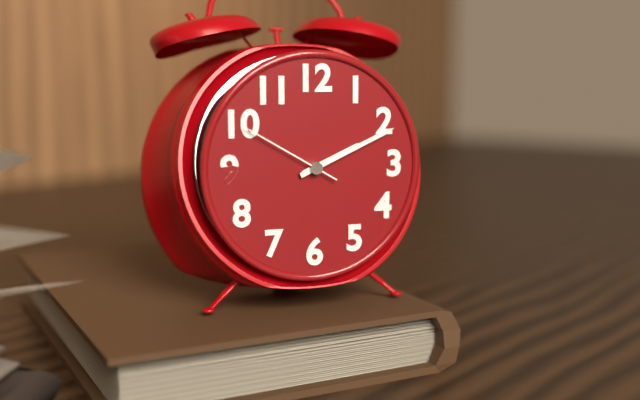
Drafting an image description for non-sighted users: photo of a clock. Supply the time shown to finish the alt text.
2:11:50
